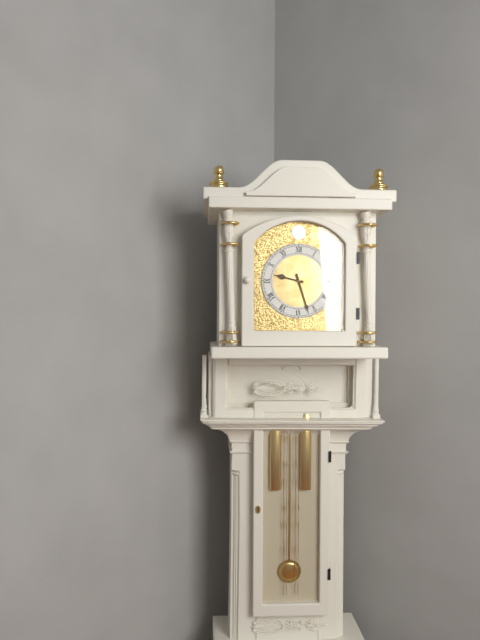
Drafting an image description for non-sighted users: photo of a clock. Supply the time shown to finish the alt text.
9:27
